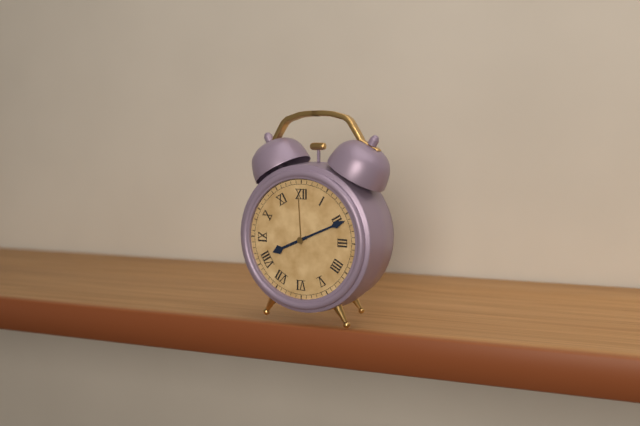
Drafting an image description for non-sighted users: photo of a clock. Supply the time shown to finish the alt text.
8:11
